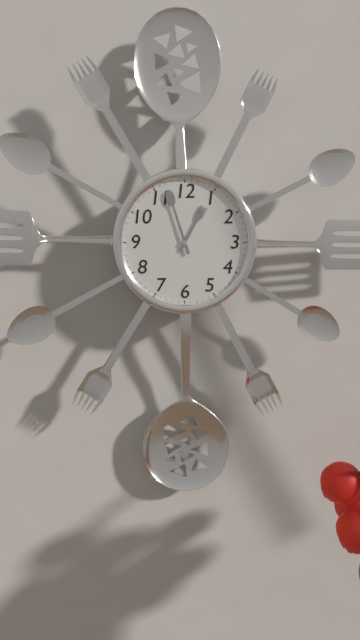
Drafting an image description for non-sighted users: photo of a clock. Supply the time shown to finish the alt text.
12:57
